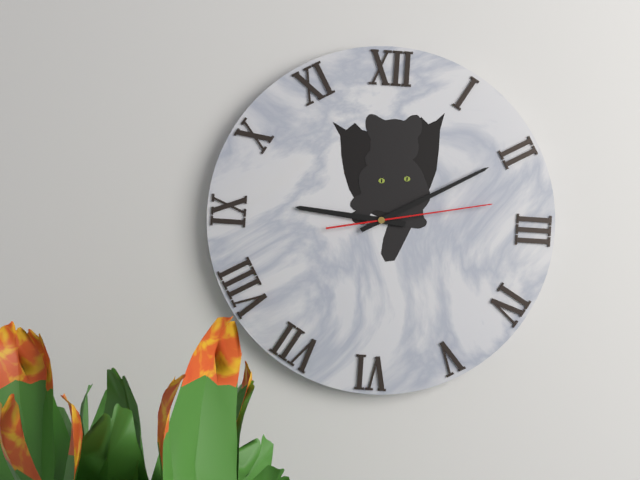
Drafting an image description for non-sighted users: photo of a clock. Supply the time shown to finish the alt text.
9:10:13
